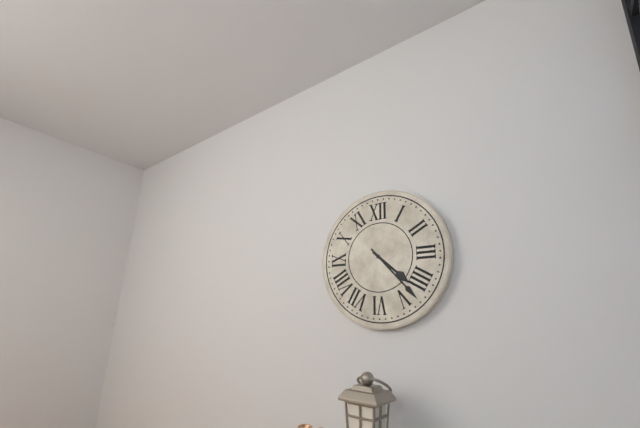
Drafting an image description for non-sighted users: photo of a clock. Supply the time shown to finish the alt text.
4:23
